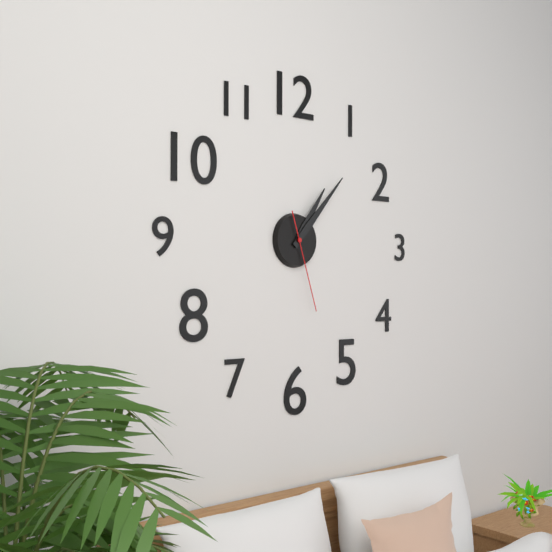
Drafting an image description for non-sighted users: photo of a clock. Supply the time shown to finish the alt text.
1:07:27
